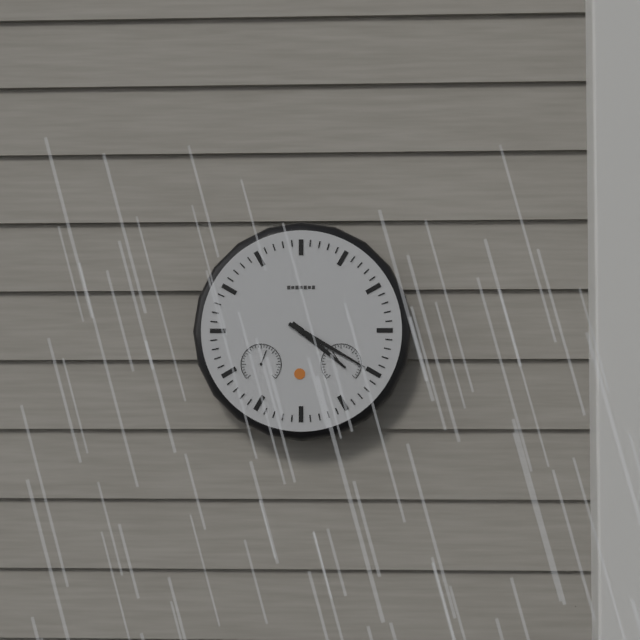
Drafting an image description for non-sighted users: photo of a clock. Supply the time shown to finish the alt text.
4:20
